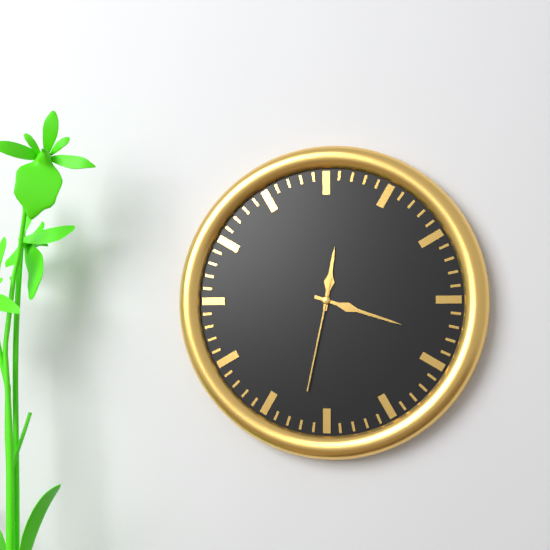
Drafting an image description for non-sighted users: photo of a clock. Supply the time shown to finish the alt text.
12:18:32
